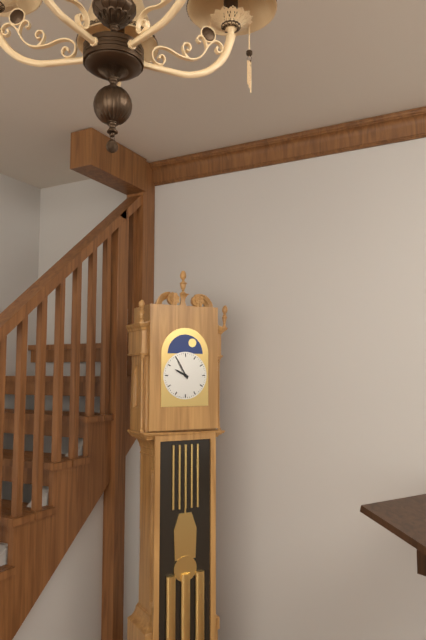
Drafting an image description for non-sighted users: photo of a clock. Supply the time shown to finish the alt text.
9:55
